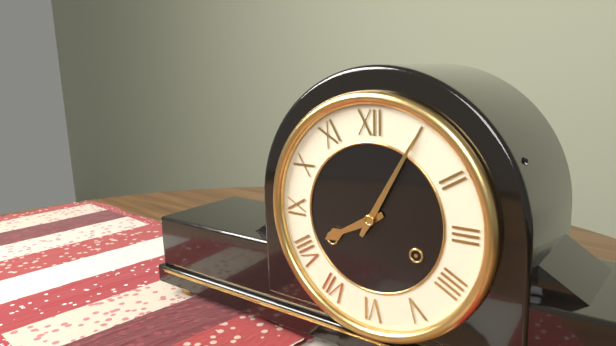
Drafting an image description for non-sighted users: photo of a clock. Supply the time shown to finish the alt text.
8:05
